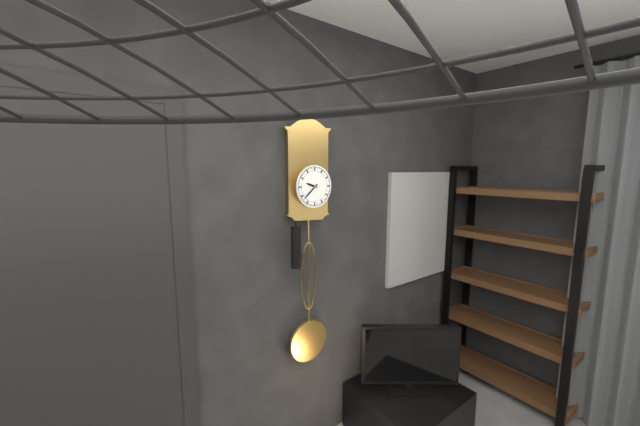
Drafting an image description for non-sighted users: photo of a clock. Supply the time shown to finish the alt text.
9:38
